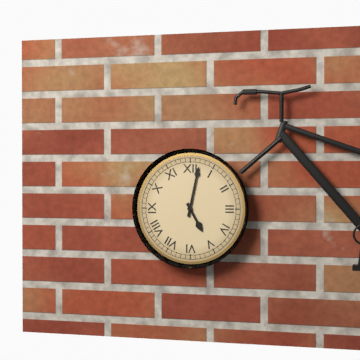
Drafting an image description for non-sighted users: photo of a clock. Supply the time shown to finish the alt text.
5:02
